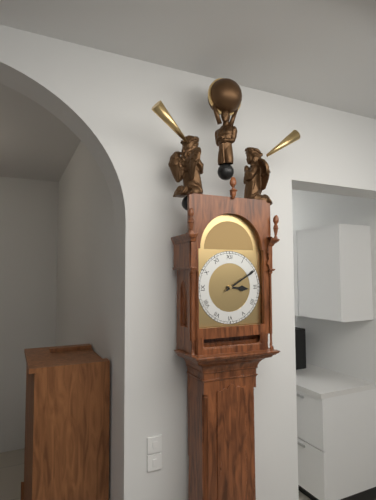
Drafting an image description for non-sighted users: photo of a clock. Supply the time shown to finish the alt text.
3:10
